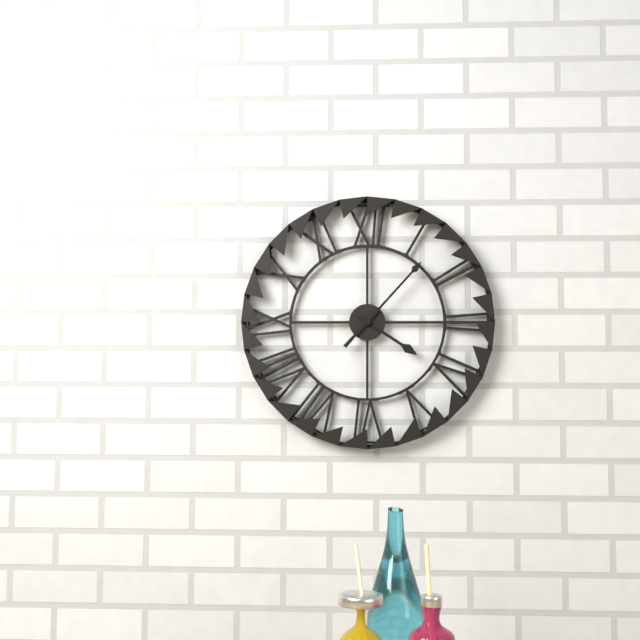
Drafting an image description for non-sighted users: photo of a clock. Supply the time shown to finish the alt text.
4:07
